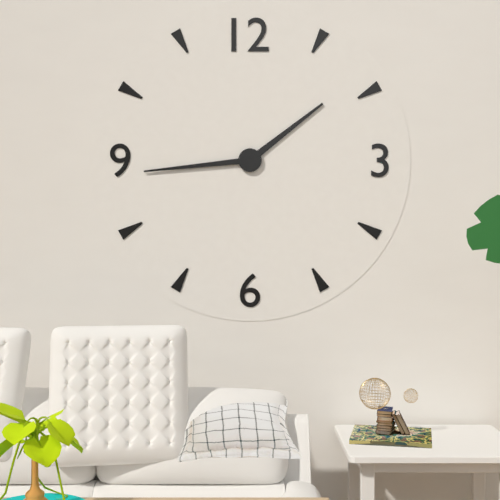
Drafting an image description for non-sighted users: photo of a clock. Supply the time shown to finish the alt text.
1:44
